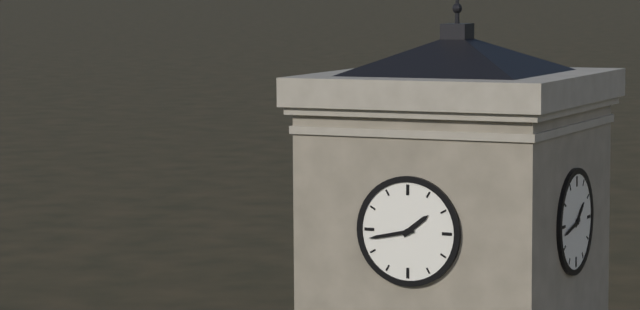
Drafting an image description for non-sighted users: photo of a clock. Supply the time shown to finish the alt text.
1:43
